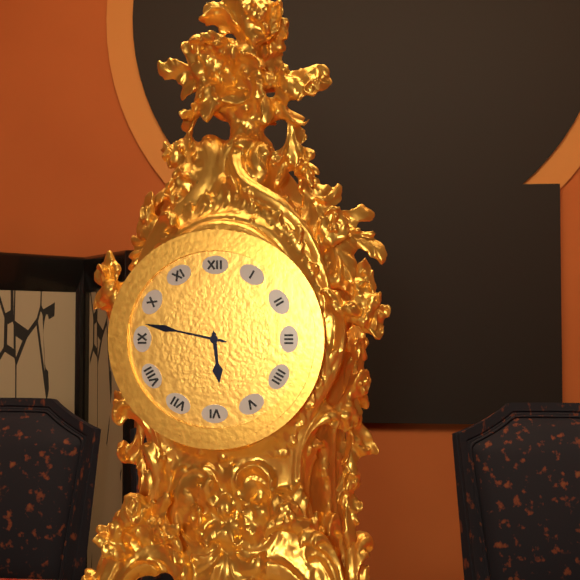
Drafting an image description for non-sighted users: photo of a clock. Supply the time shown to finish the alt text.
5:47
